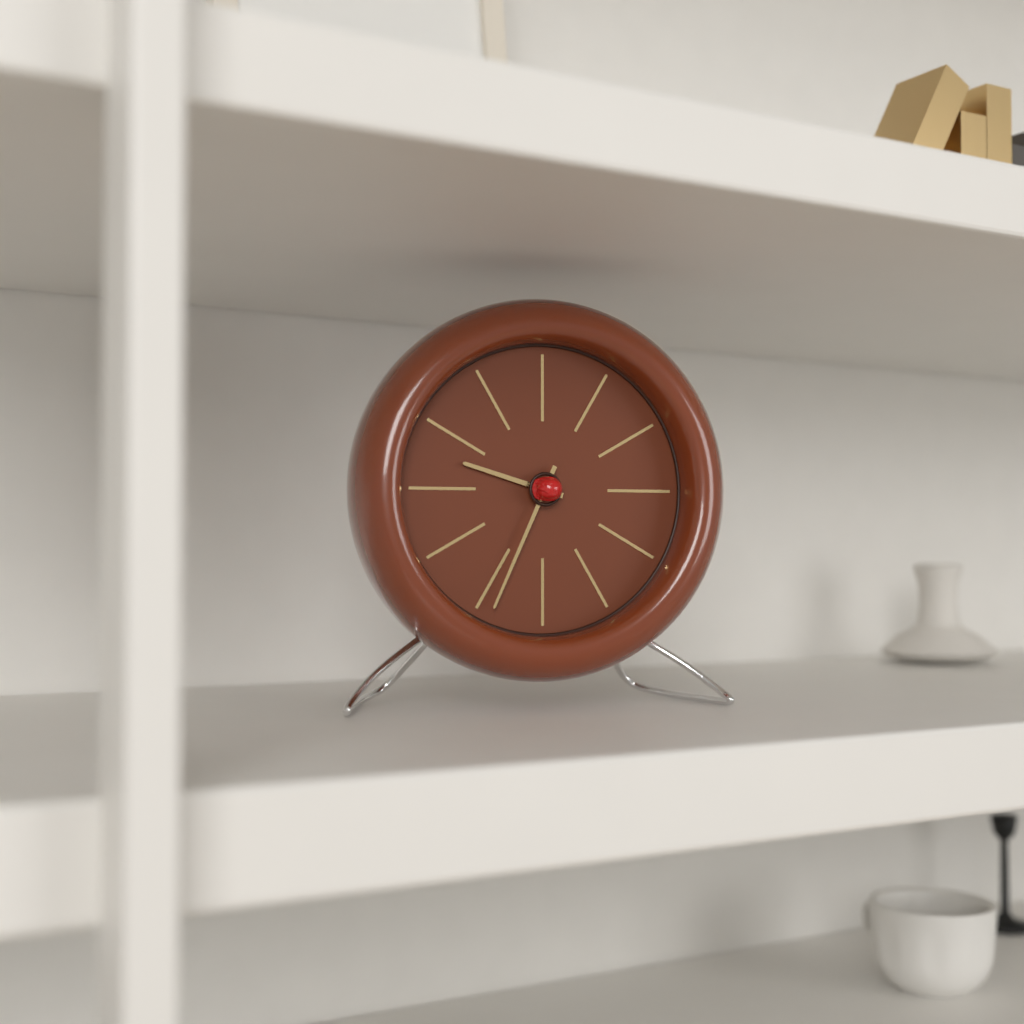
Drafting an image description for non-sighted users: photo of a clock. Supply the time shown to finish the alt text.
9:34
